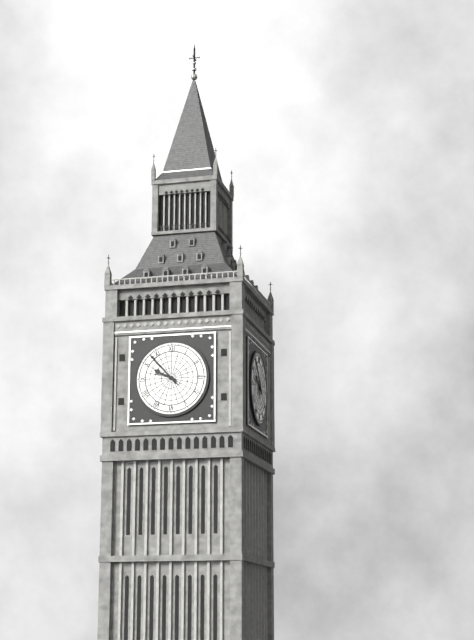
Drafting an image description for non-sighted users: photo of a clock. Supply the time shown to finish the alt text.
9:53
